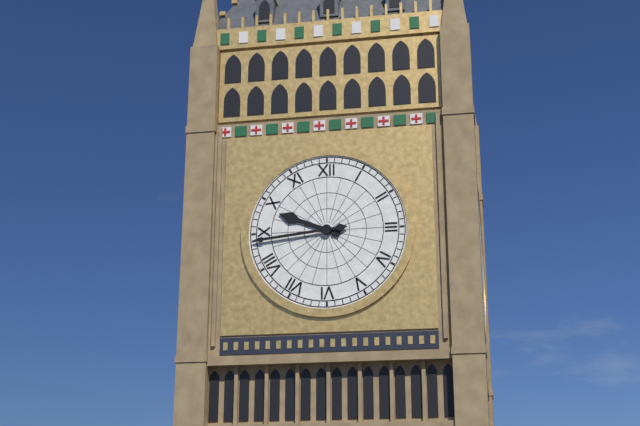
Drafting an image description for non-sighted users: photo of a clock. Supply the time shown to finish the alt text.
9:44
